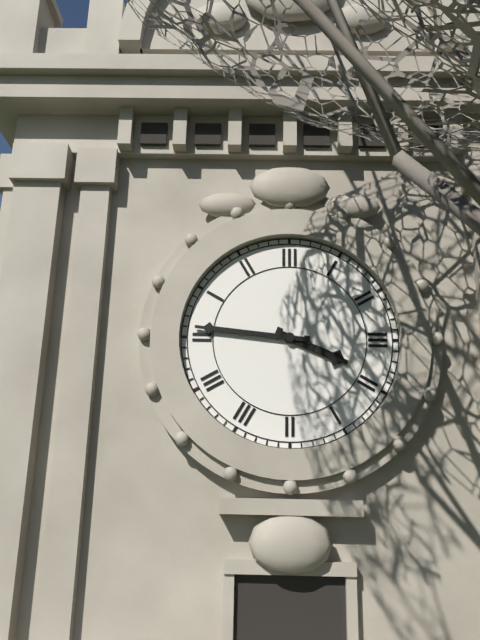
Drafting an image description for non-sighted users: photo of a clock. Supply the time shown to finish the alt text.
3:46
